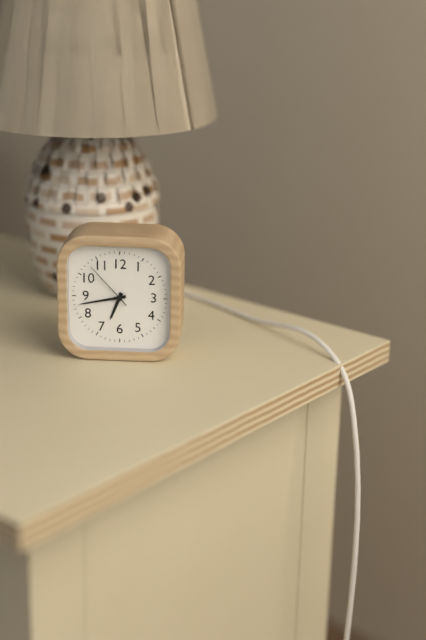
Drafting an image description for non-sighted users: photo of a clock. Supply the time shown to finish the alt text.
6:43:53
